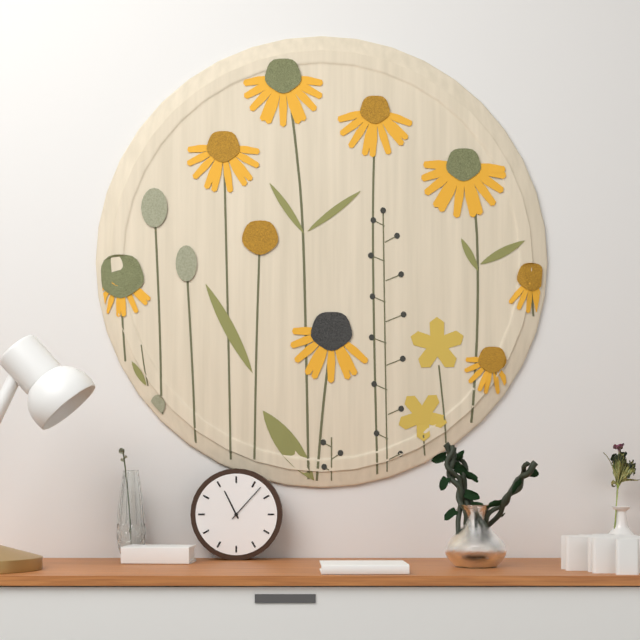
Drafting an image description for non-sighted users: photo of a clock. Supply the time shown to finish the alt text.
11:07
